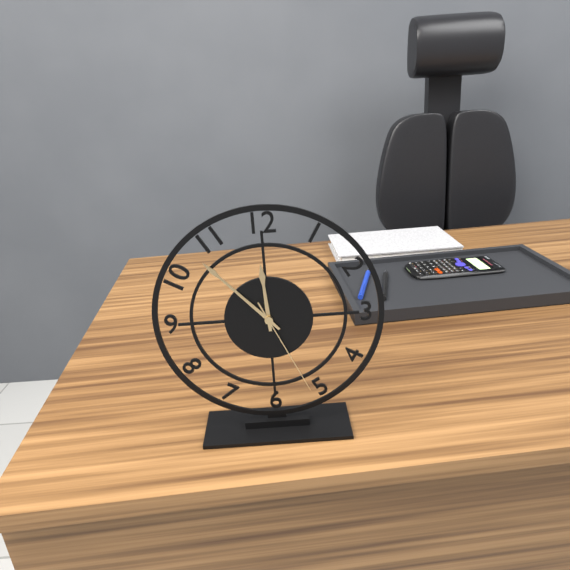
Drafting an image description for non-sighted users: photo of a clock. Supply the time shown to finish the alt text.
11:53:26
